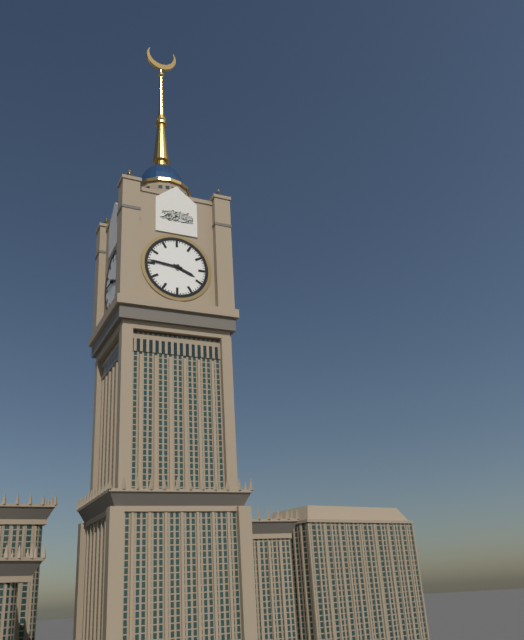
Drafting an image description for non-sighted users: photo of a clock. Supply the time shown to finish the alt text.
3:46
